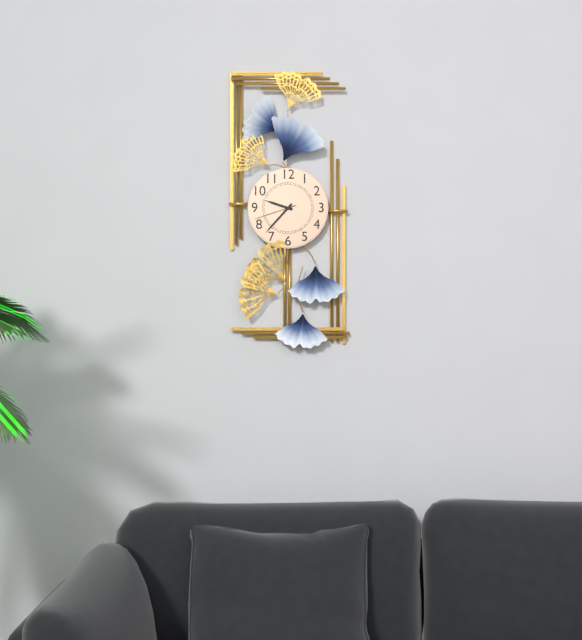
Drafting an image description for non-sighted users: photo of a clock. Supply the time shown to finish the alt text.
9:37
